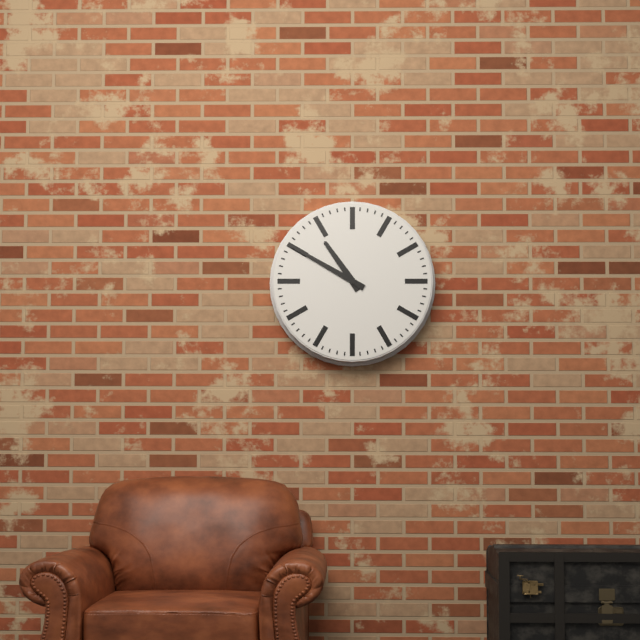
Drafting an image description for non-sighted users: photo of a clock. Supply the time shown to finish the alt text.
10:50
